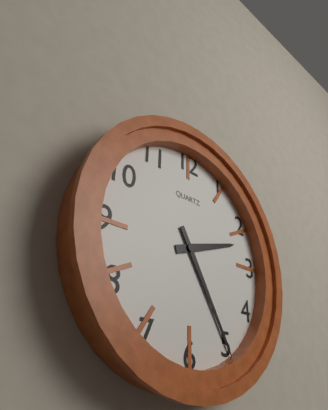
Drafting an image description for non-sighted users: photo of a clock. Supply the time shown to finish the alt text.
2:25
